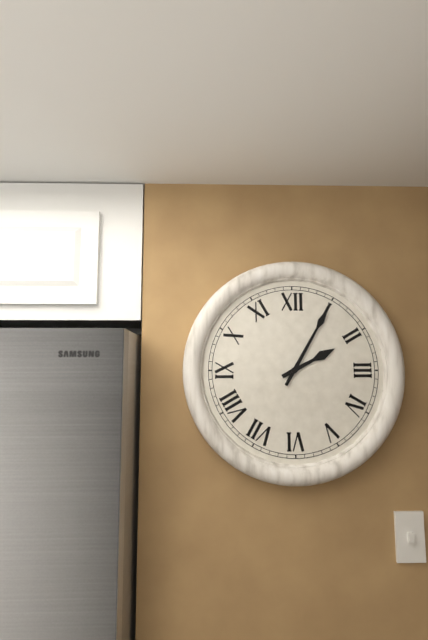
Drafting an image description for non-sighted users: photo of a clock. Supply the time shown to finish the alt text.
2:05
